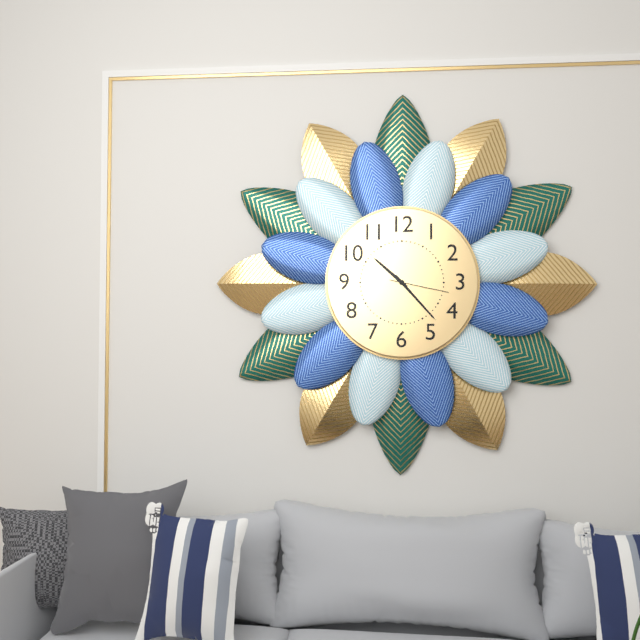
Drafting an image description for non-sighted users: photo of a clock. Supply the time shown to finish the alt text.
10:23:17
